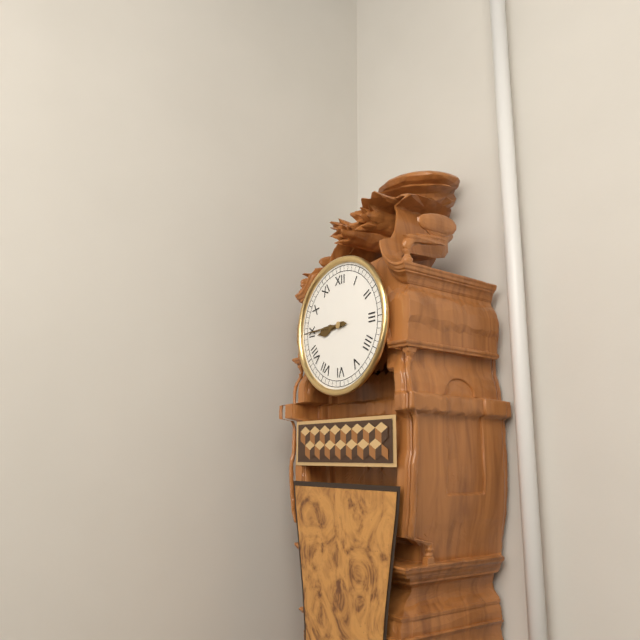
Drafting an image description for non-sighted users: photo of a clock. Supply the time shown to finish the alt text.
8:45
